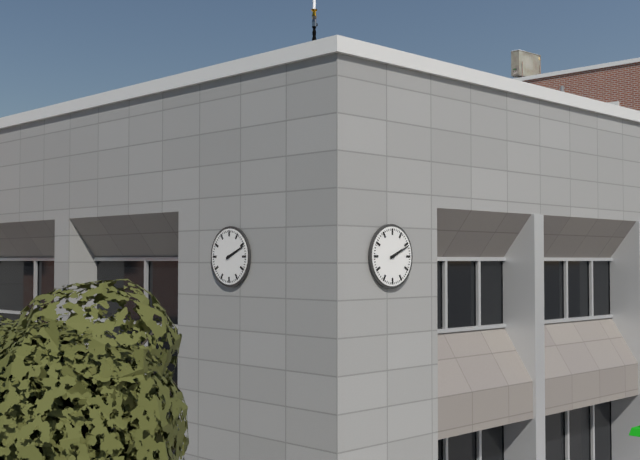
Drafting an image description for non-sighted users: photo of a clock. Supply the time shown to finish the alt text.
2:11
